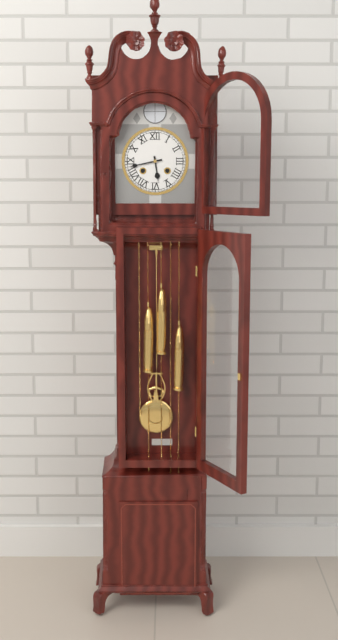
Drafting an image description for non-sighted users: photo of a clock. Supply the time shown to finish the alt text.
5:43
